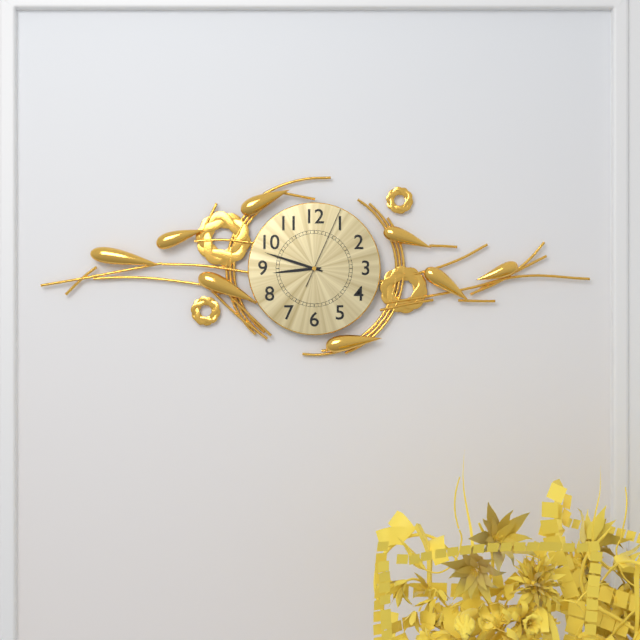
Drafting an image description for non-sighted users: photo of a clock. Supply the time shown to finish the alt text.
8:48:04
